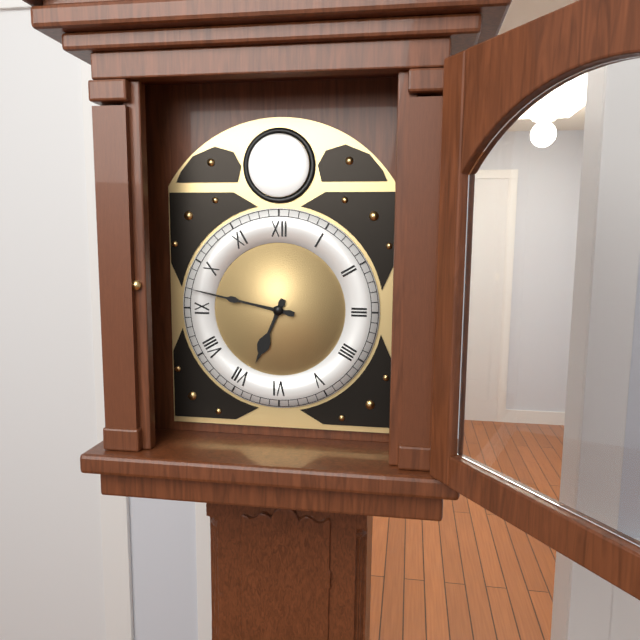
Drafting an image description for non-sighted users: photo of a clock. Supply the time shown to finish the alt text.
6:47
